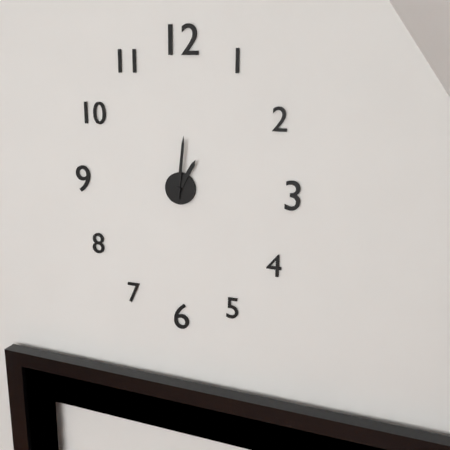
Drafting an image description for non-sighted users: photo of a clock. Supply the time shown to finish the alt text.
1:01
